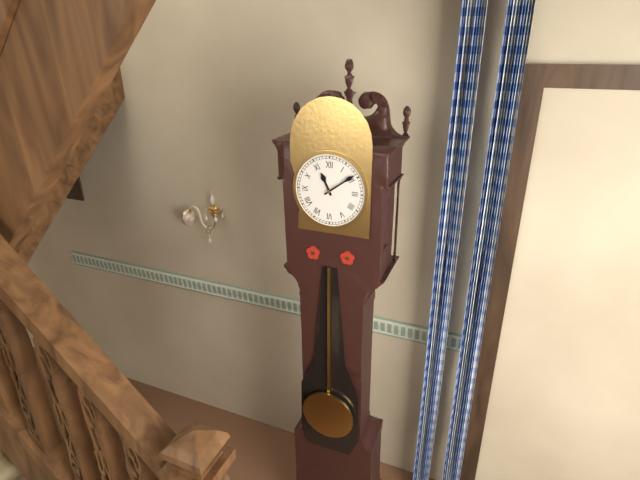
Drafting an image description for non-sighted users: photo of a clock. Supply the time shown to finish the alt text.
11:09
